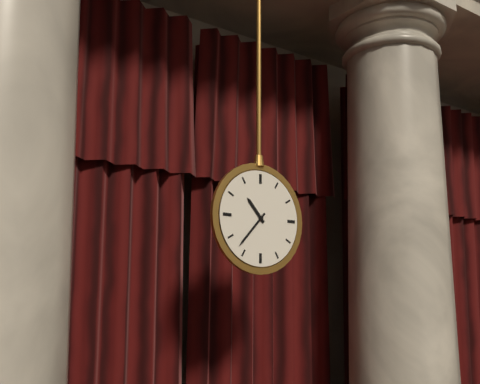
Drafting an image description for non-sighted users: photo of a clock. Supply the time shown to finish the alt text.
10:37
